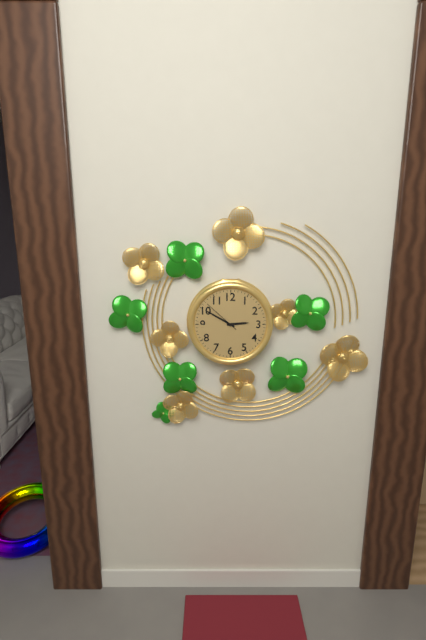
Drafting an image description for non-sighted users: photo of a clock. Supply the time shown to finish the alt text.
2:50
